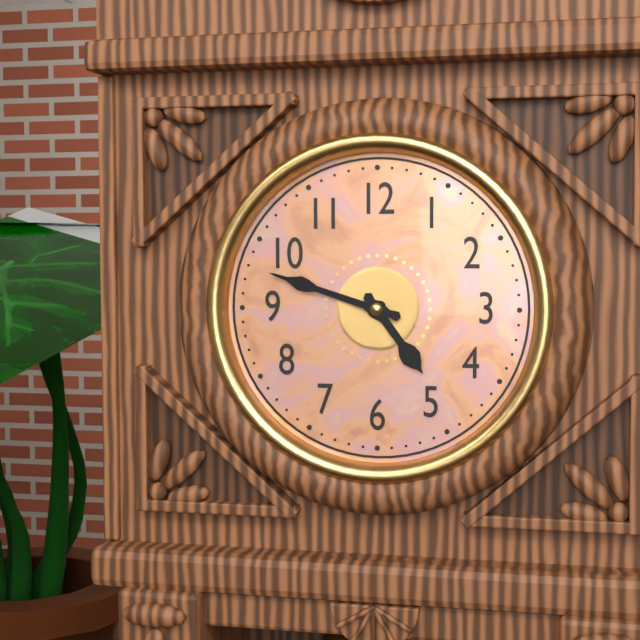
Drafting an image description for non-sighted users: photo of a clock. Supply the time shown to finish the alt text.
4:48
